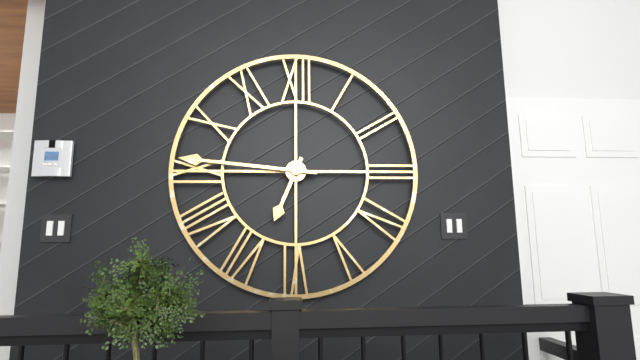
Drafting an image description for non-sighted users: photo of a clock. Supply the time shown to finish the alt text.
6:46
